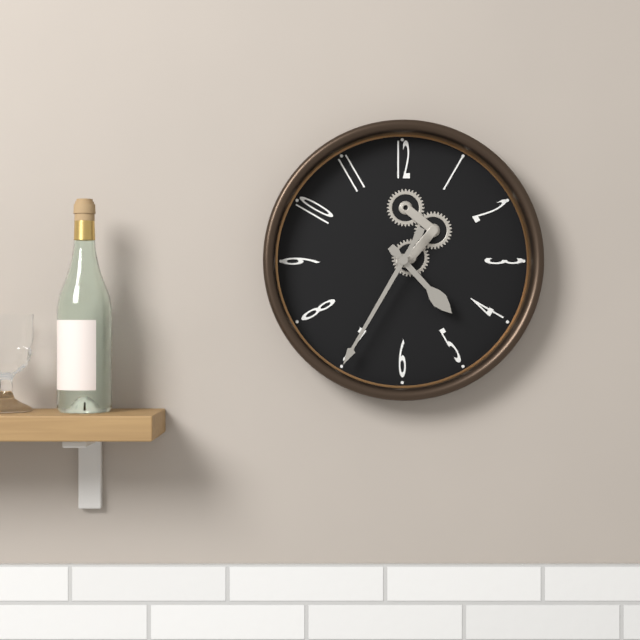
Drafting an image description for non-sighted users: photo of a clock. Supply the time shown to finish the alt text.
4:35
